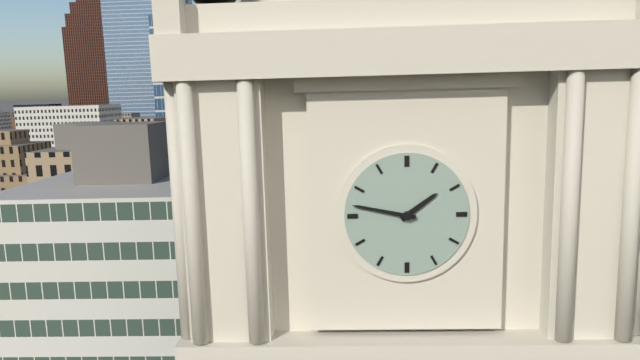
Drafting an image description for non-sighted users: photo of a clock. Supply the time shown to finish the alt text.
1:47
